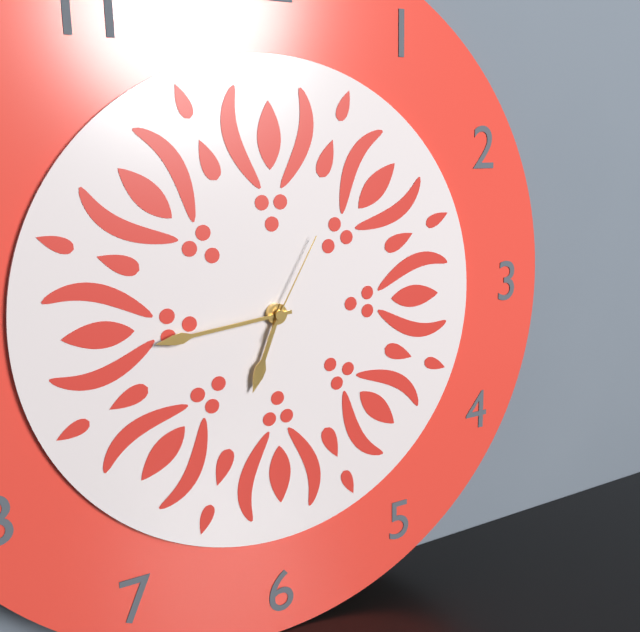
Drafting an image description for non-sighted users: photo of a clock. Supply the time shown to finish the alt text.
6:44:05
